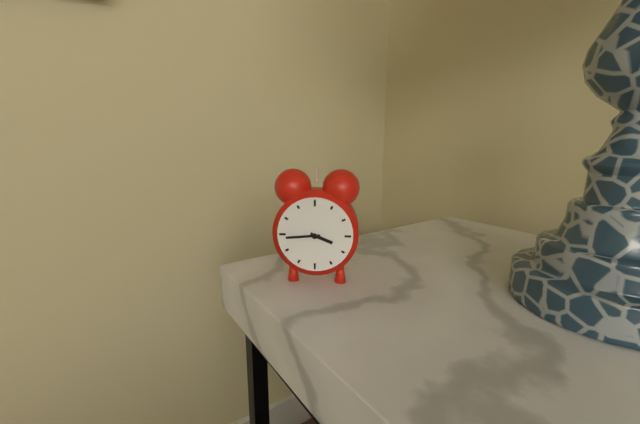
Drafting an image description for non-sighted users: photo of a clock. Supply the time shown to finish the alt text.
3:44
